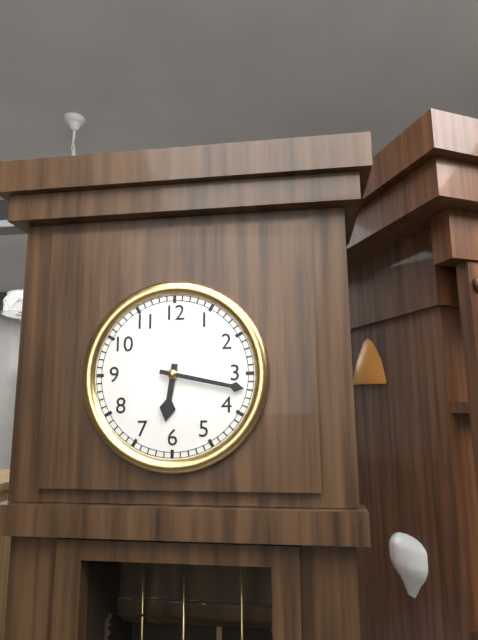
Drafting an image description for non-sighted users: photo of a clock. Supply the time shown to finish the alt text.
6:17
